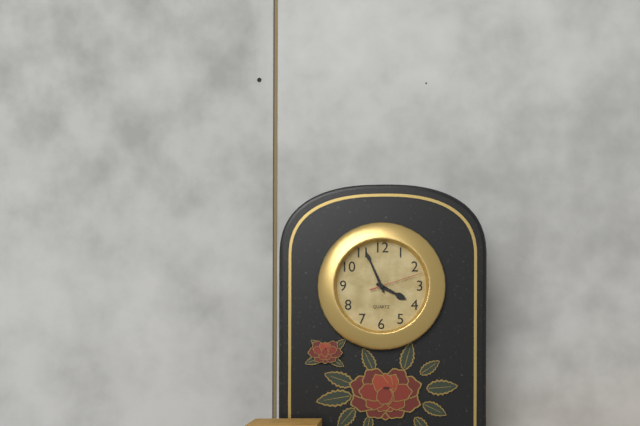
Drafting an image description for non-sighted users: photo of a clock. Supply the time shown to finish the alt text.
3:56:12
